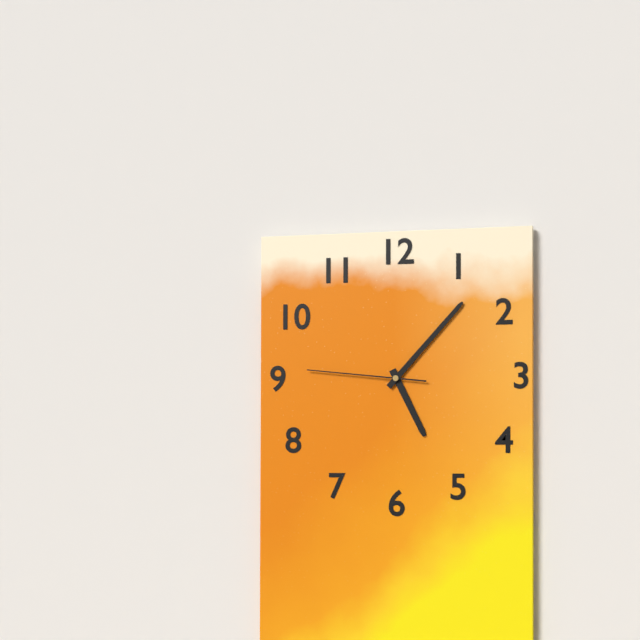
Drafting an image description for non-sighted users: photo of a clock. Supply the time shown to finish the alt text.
5:07:46
